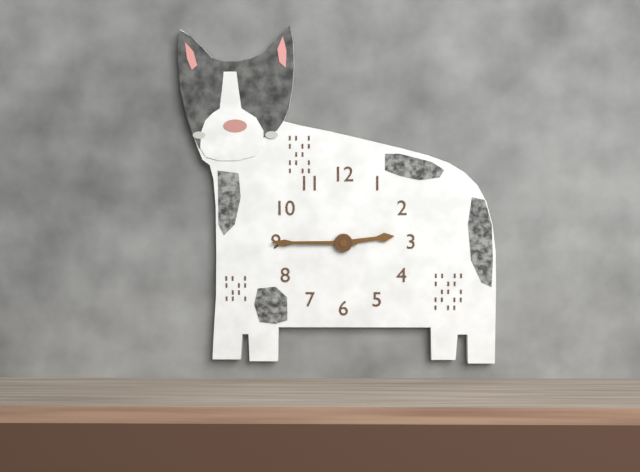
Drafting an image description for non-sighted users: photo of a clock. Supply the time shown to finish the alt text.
2:45
